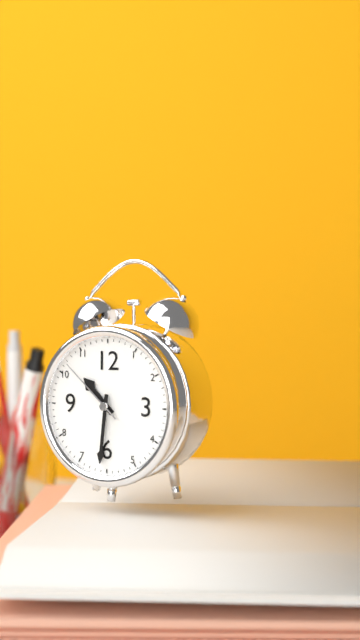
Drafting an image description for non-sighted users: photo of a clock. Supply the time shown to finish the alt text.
10:31:52
